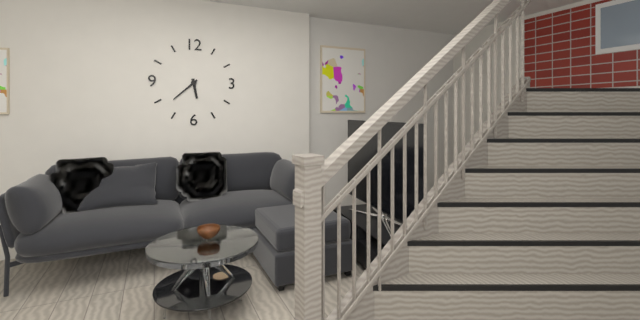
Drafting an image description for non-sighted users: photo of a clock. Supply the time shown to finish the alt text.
5:38
